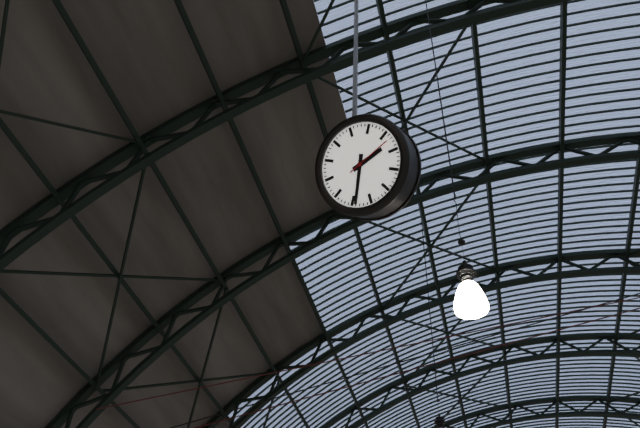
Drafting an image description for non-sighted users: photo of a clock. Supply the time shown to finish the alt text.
2:34
